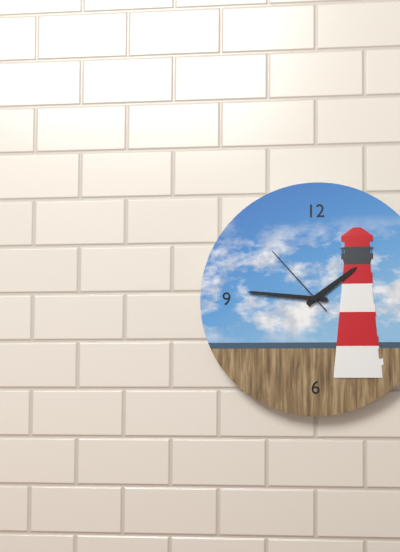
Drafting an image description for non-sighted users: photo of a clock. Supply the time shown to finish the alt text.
1:46:53
